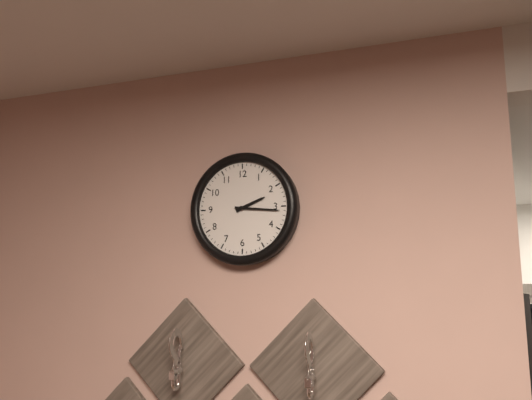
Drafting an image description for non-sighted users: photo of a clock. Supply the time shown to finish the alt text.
2:16
